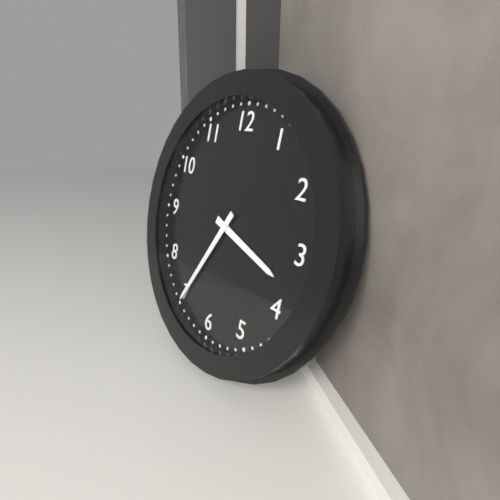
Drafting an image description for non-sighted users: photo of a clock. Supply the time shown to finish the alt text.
3:35
